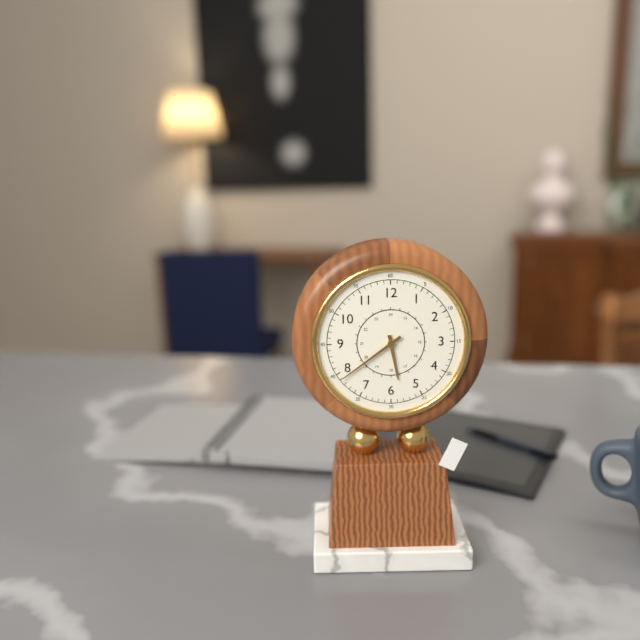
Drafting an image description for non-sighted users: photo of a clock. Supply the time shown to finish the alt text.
5:39
